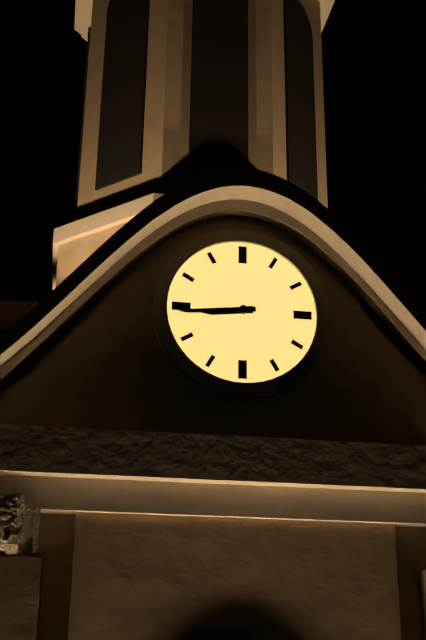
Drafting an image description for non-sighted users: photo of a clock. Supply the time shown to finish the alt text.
8:44
